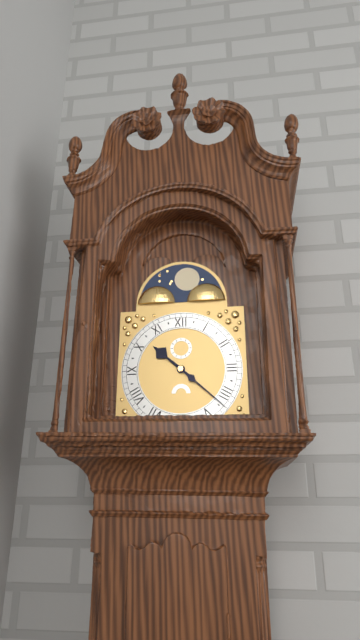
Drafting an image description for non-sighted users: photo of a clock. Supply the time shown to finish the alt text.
10:22
